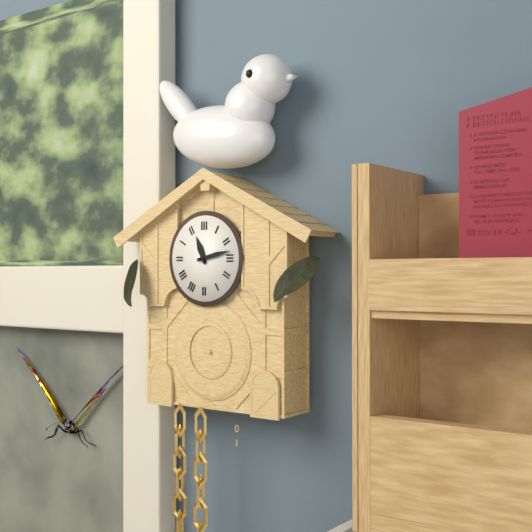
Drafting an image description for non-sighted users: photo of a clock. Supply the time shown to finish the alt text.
11:13
